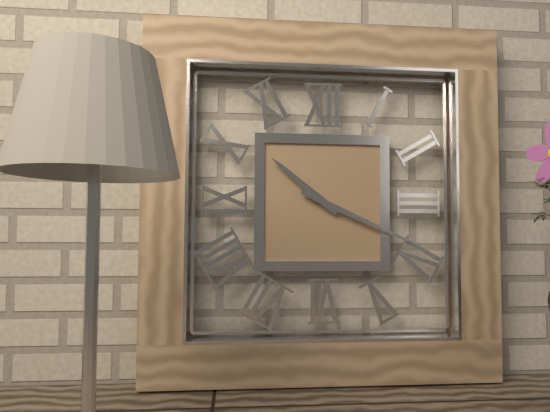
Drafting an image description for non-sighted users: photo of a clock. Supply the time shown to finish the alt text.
10:19
